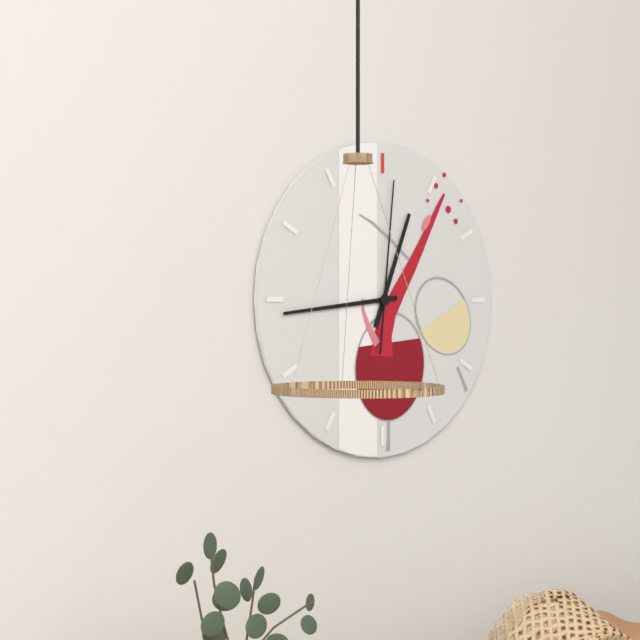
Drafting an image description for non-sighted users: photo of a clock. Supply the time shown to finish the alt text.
12:44:01
